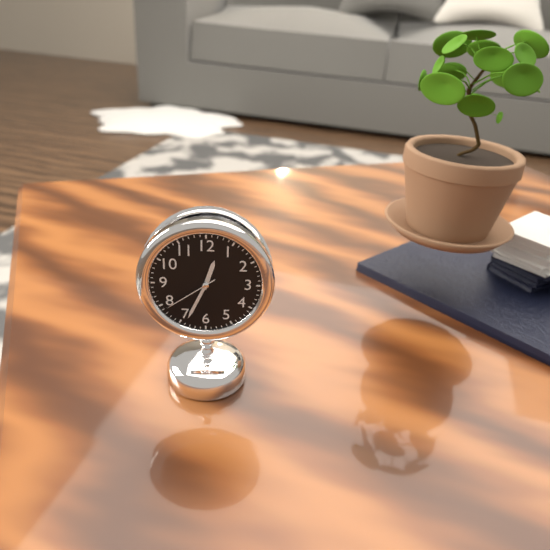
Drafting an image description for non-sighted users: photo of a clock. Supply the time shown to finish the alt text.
12:34:39
